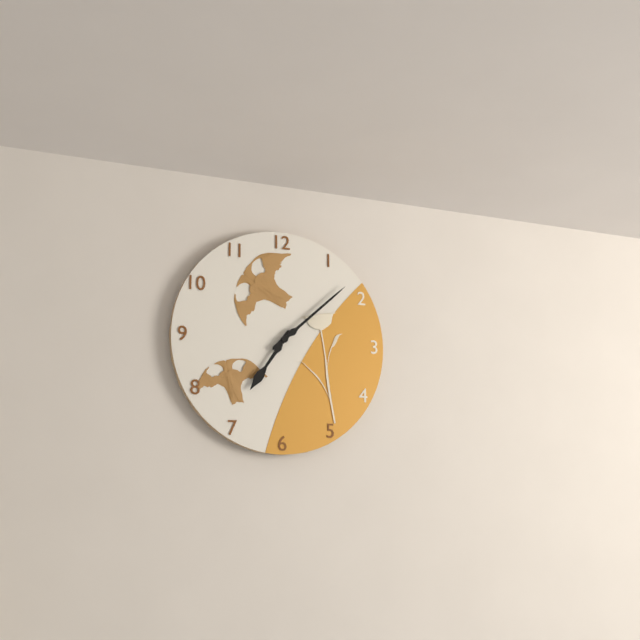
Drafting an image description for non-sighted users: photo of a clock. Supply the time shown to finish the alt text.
7:08
